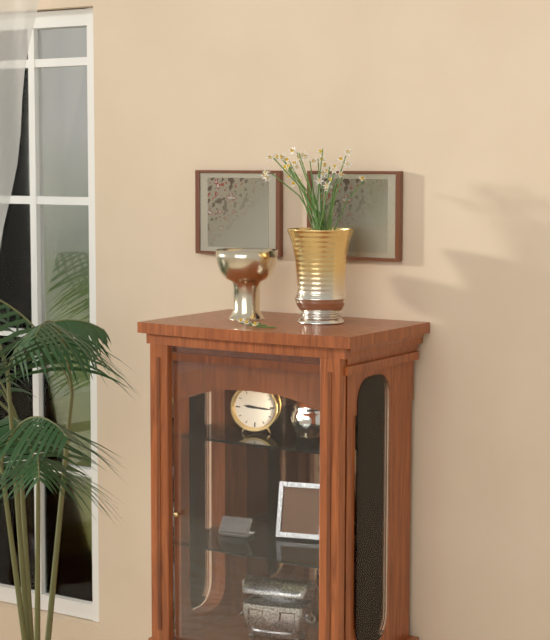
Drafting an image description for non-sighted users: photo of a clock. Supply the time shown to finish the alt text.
9:16
